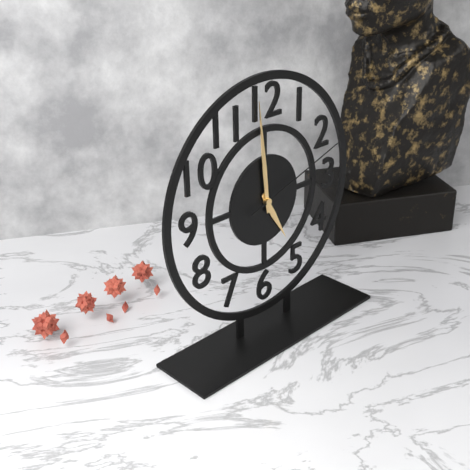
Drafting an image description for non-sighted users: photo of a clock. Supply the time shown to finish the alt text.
4:59:12
